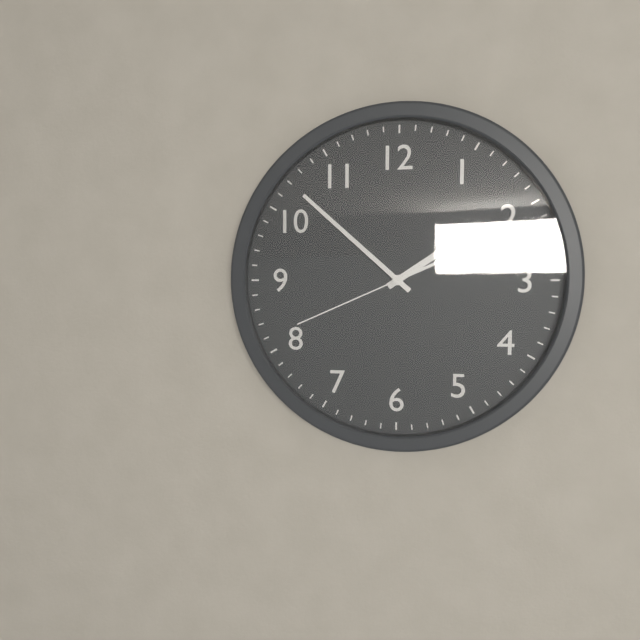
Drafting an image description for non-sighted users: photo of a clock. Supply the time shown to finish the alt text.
1:52:41
